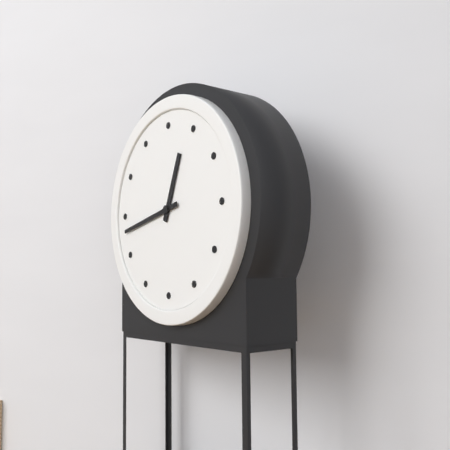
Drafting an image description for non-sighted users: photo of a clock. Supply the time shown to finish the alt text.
12:43
